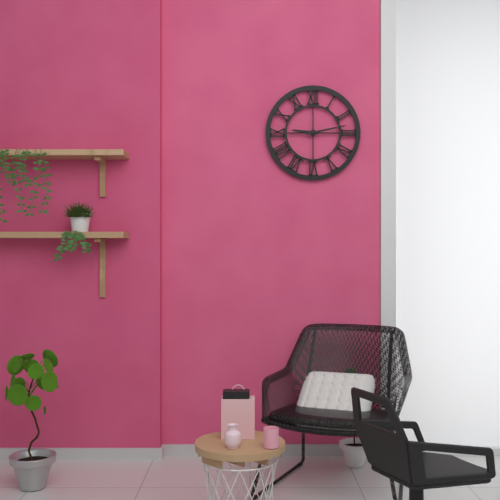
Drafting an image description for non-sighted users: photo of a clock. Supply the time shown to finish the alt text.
9:13
